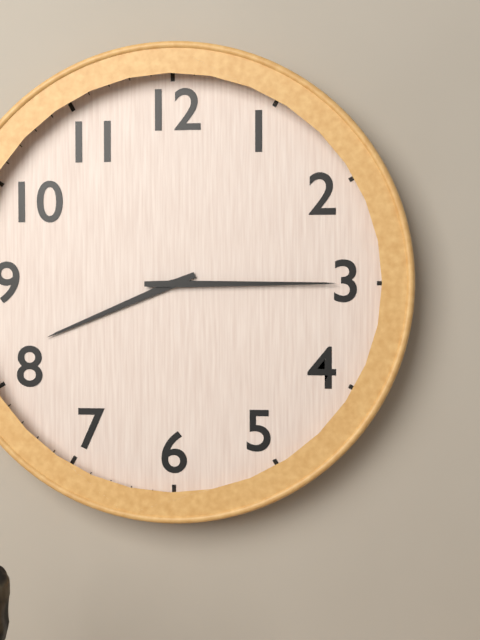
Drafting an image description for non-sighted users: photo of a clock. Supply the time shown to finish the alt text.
8:15
